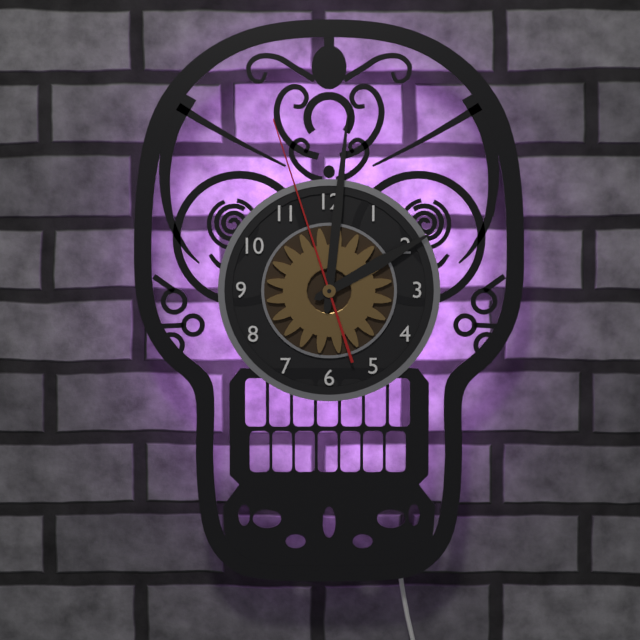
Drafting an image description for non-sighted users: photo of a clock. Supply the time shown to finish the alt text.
2:01:57
